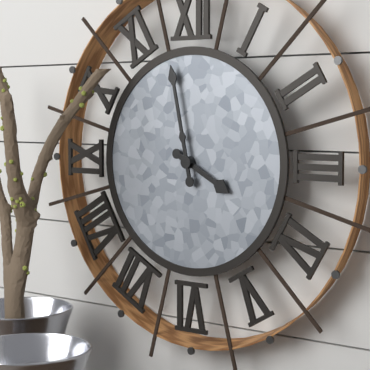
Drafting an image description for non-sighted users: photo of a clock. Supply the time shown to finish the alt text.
3:58
